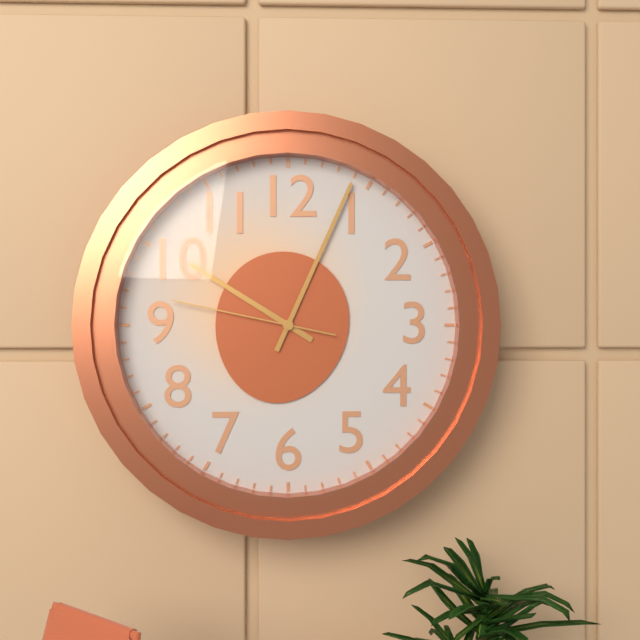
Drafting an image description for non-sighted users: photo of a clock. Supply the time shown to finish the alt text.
10:04:47
